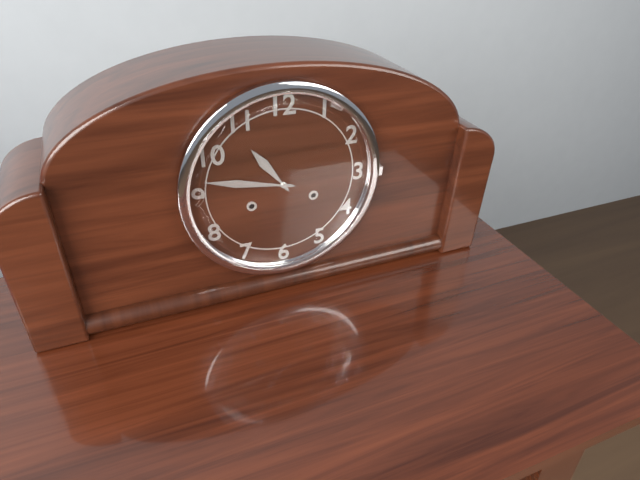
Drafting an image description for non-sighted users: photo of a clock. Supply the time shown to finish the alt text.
10:47
